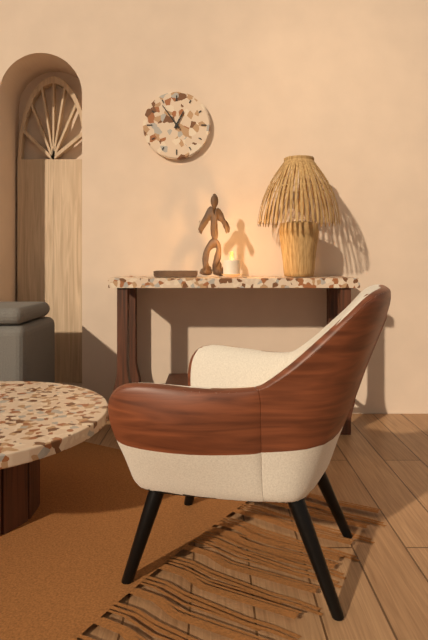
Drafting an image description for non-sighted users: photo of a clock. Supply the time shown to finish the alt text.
12:54
